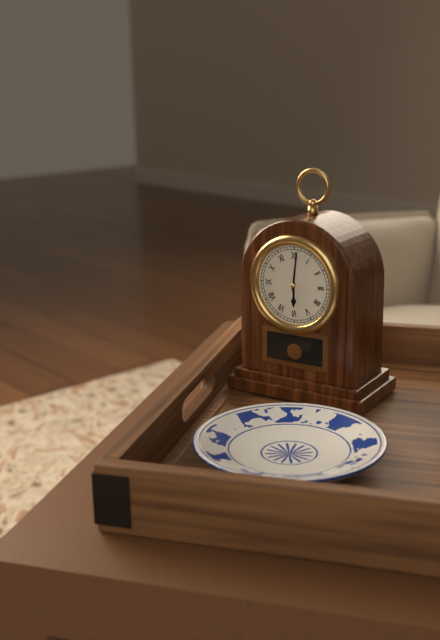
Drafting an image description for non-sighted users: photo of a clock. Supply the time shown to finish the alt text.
6:01
